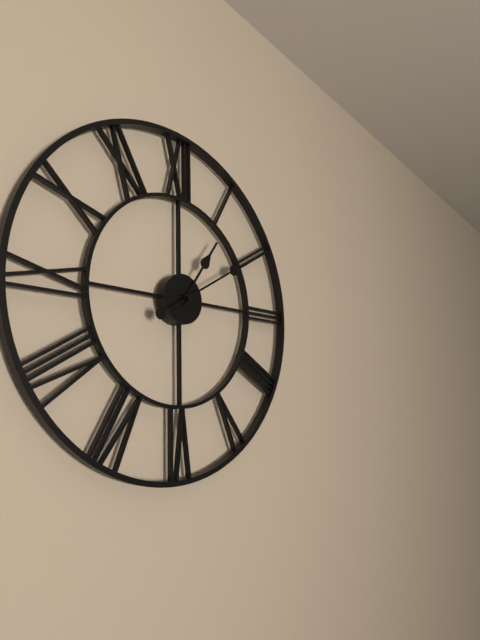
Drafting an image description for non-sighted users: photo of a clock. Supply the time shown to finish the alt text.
1:10
